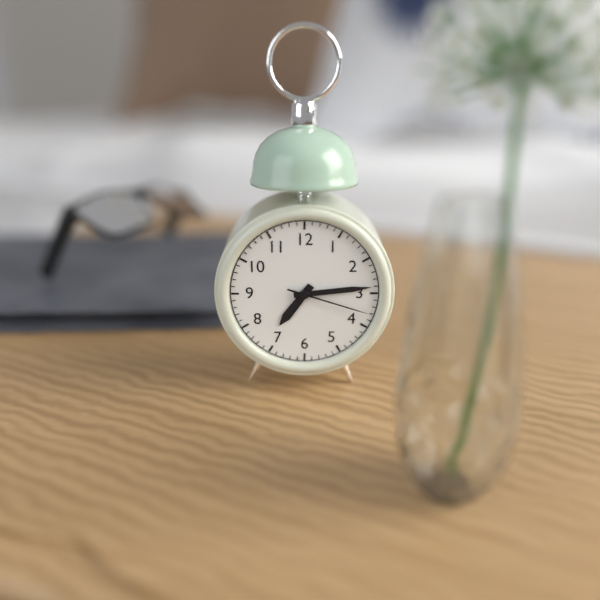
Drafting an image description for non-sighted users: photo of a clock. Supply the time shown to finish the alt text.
7:14:18
